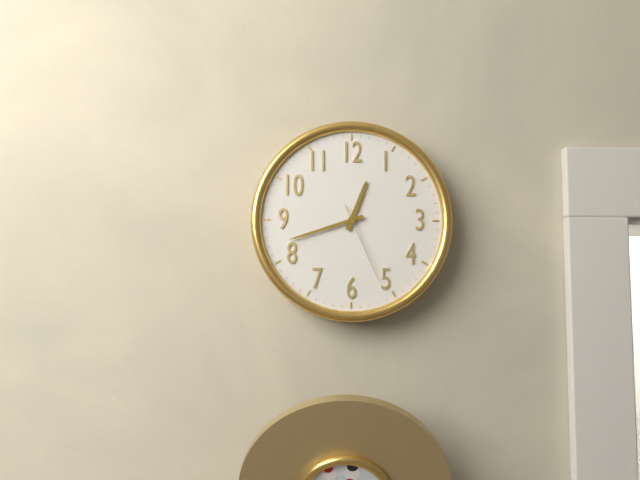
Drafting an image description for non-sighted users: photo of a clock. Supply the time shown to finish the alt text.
12:42:26
